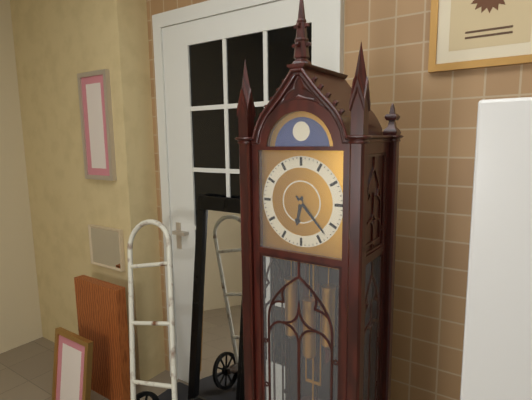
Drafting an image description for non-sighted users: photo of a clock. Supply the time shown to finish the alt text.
6:23
